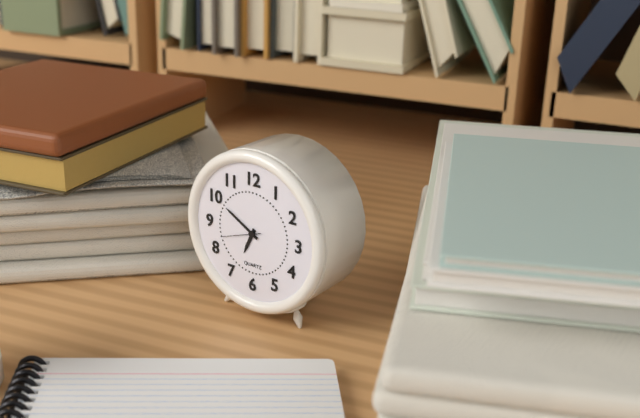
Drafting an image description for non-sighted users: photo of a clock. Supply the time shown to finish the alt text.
6:50
